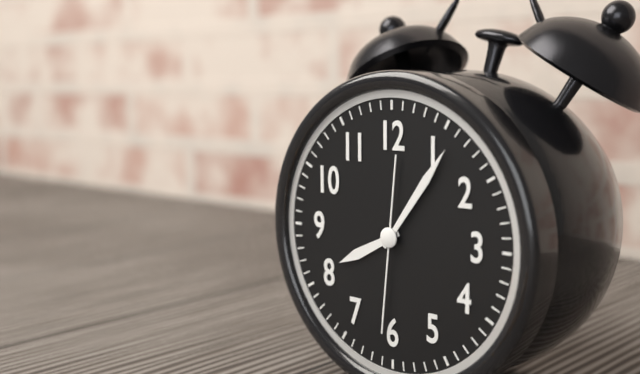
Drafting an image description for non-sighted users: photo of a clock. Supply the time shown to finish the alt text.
8:06:31
